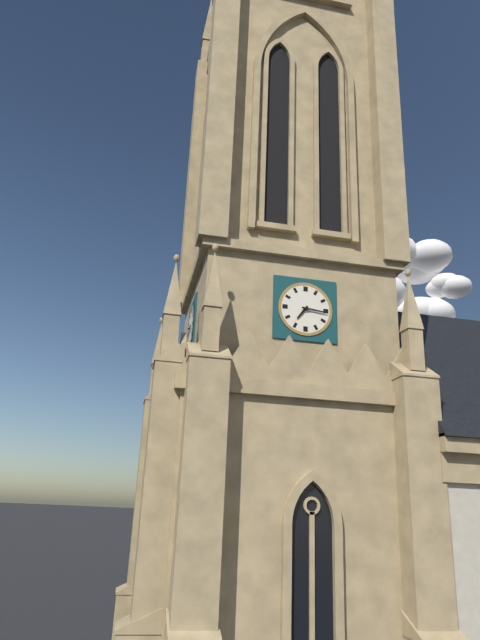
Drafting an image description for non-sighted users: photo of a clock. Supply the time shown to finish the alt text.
7:16
